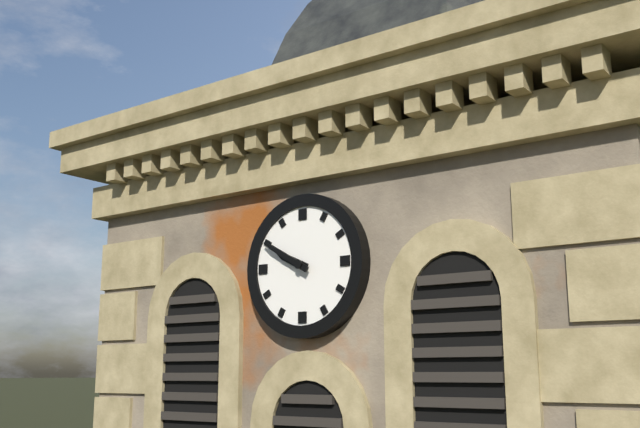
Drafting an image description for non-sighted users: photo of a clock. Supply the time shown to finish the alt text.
9:50
